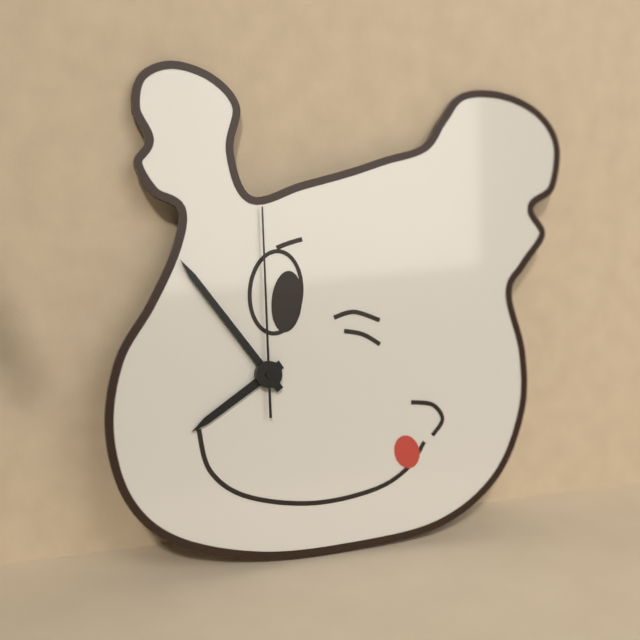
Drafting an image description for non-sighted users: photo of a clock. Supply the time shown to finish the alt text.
7:54:00
